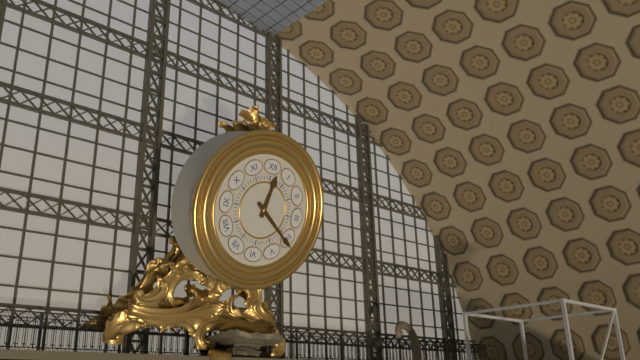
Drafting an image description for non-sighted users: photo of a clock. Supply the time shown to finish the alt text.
12:21
